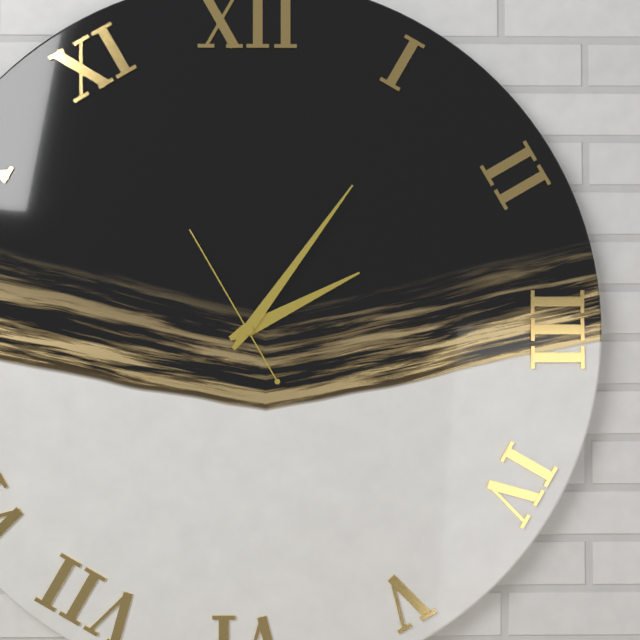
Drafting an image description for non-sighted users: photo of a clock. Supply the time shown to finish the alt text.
2:06:55
